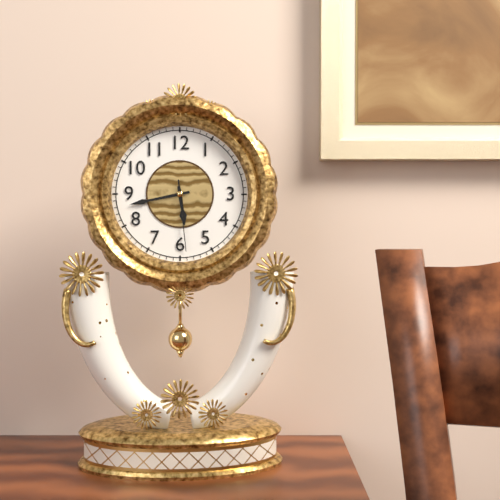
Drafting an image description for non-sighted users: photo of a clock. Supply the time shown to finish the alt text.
5:43:29
